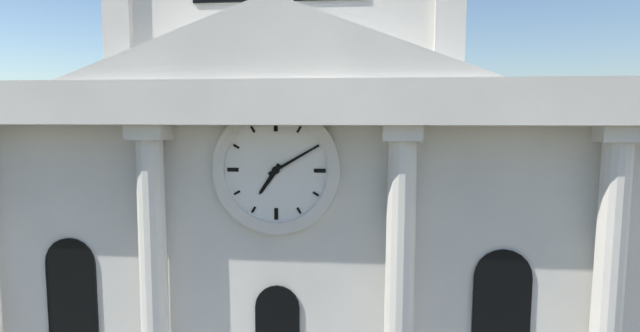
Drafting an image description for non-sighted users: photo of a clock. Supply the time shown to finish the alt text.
7:10
